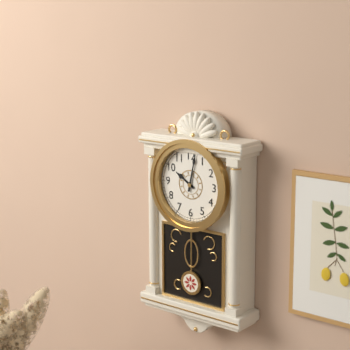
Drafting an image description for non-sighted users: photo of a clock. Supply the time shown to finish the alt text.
10:02
